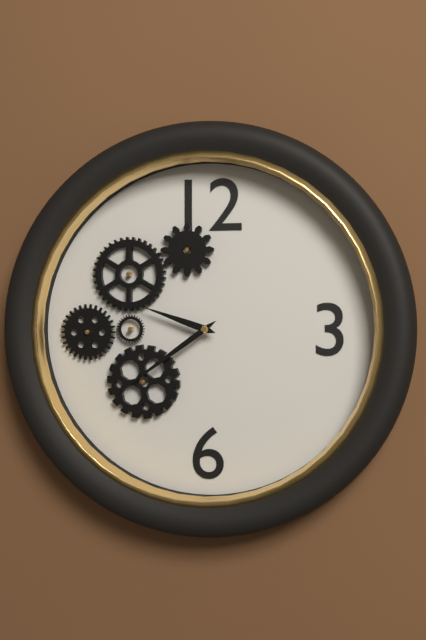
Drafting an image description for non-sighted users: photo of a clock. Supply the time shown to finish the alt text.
9:39
